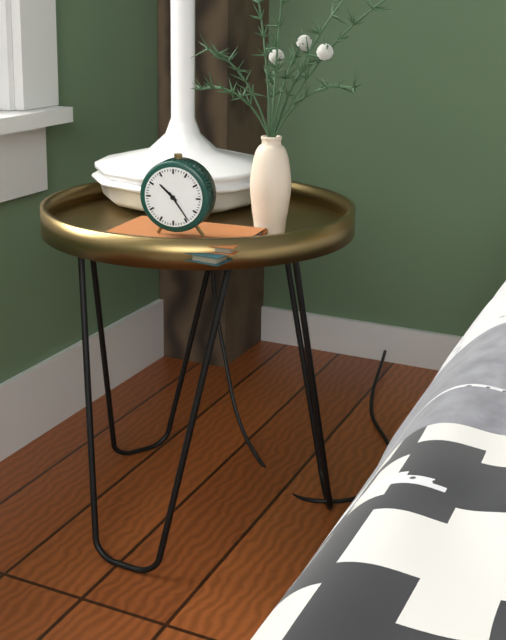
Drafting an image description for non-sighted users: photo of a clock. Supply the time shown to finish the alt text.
10:24
